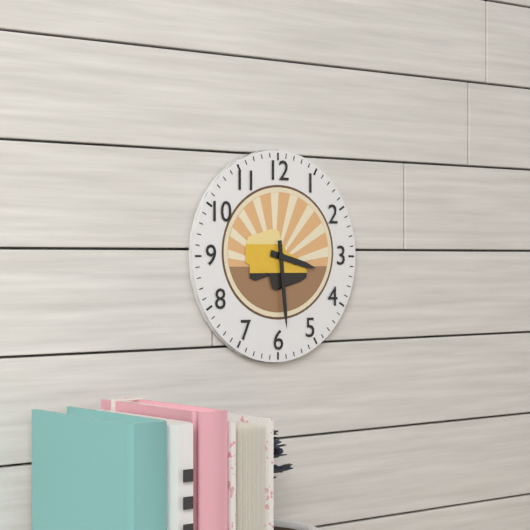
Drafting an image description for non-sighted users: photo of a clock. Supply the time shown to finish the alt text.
3:29
